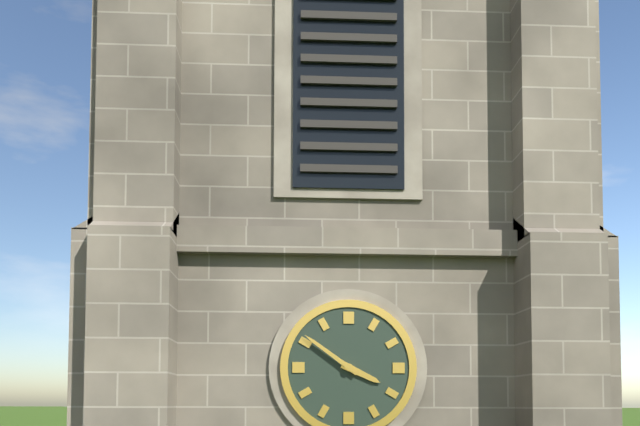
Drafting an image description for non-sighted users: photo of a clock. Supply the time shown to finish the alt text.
3:51
